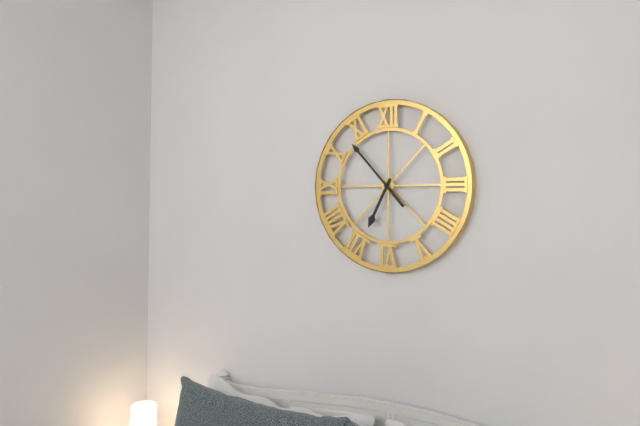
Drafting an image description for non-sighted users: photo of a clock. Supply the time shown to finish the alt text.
6:53
